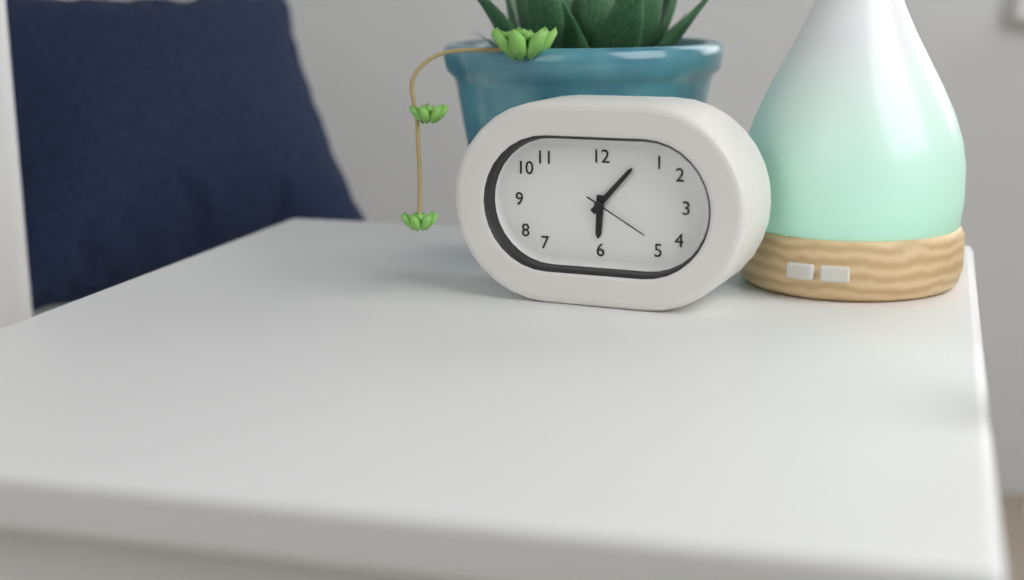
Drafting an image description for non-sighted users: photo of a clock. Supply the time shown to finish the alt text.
6:07:20
